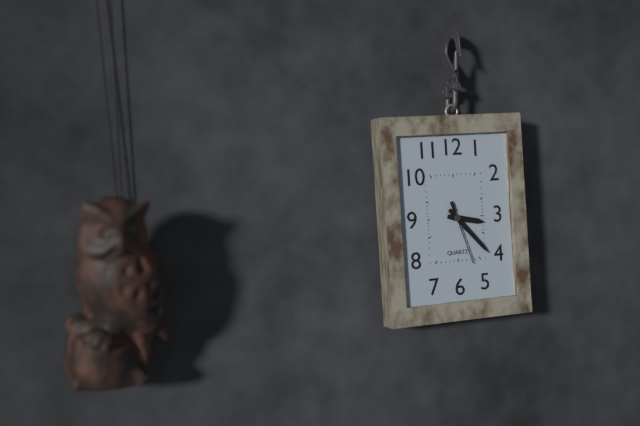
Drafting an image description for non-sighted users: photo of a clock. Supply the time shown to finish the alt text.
3:23:27
